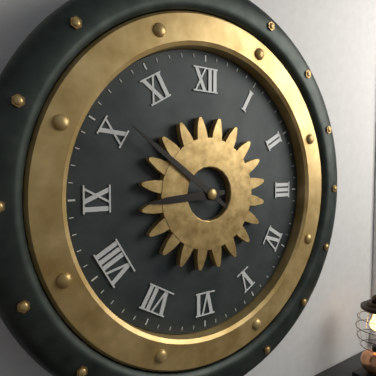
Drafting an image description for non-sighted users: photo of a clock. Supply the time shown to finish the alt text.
8:51
